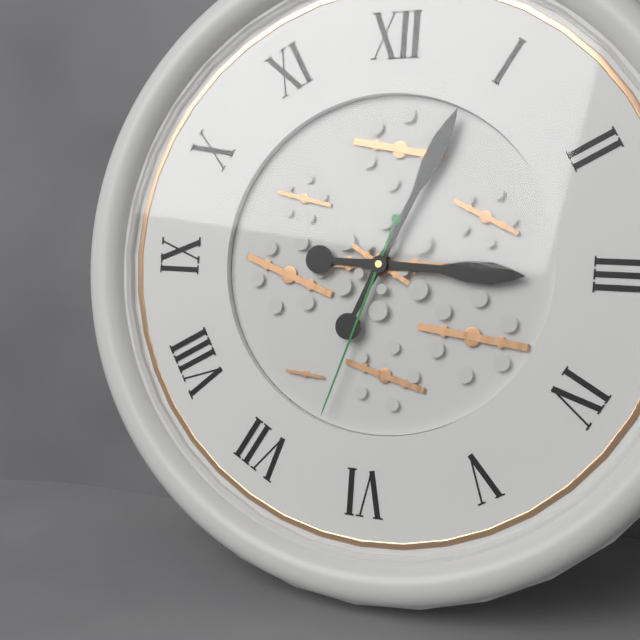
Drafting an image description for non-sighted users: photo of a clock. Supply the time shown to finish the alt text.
3:04:33
